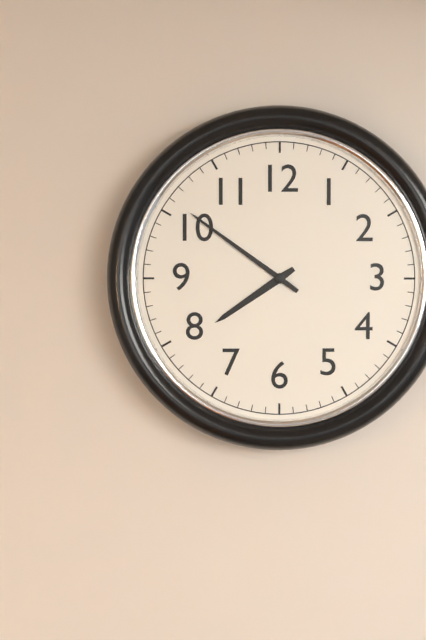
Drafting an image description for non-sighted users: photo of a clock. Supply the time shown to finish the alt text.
7:51
